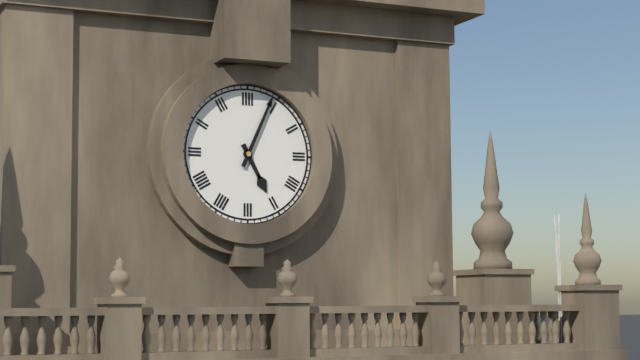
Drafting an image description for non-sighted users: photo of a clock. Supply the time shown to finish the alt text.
5:04
